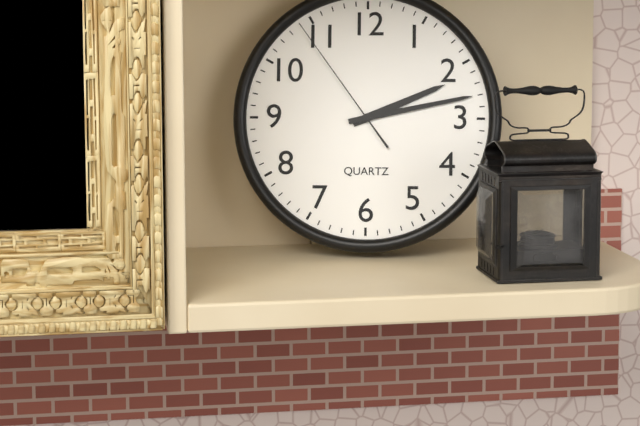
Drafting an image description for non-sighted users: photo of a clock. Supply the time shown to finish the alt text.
2:13:54
